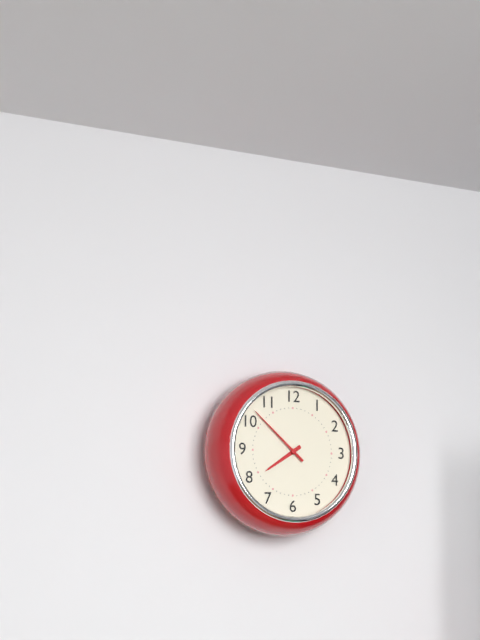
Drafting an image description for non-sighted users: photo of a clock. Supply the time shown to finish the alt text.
7:52
